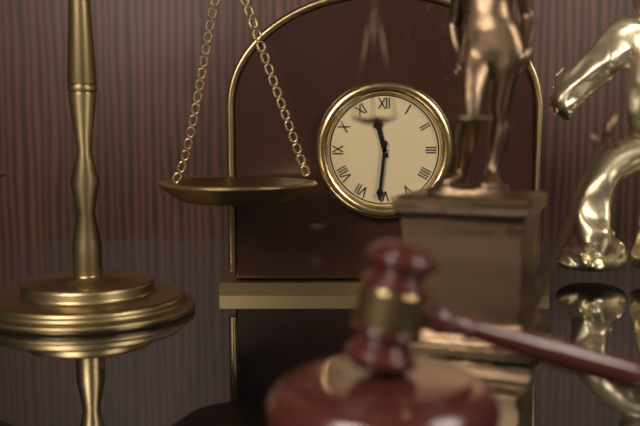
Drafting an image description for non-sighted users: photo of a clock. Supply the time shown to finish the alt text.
11:31
